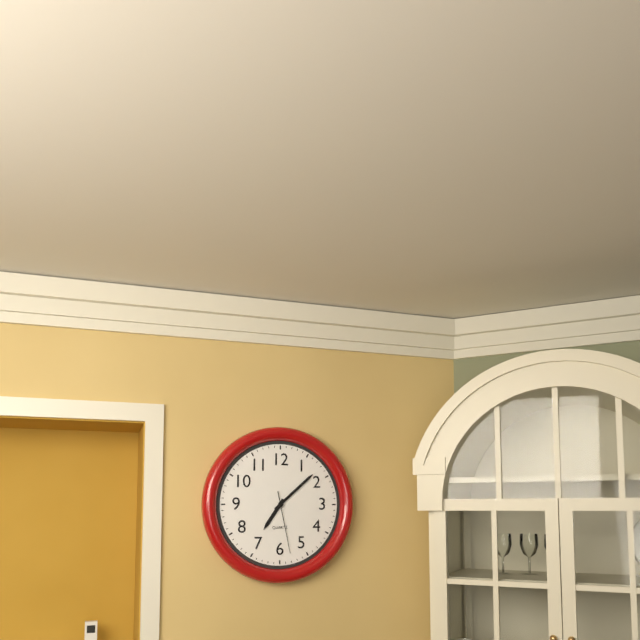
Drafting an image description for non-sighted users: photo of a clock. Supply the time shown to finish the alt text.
7:08:28
